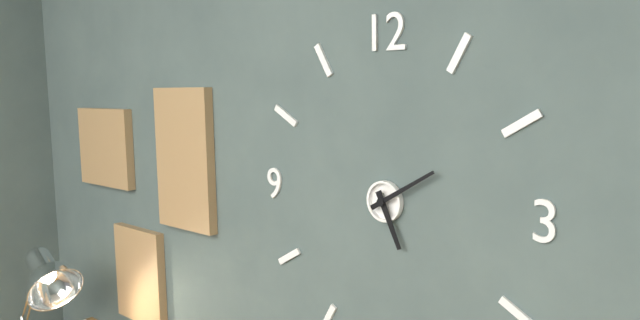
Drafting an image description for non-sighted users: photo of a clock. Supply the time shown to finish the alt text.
5:10
